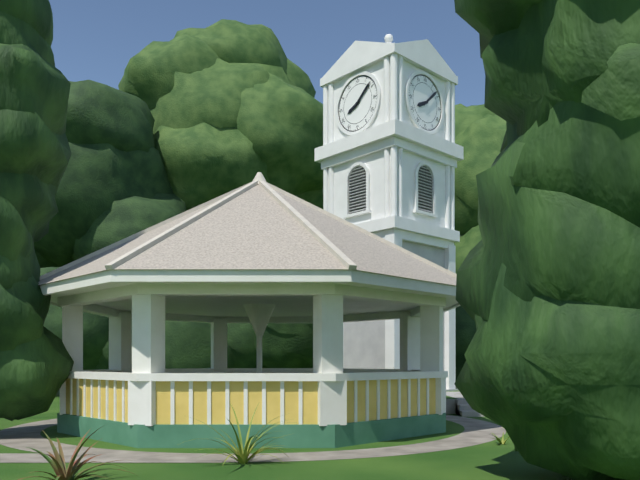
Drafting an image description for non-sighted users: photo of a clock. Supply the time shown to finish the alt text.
8:08
